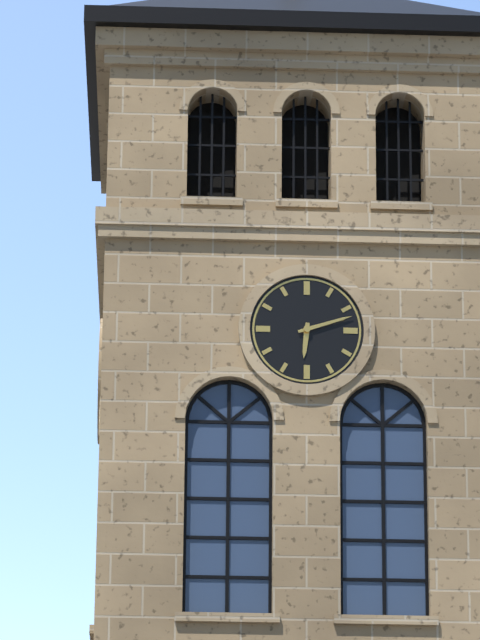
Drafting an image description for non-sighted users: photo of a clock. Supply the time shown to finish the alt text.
6:12
